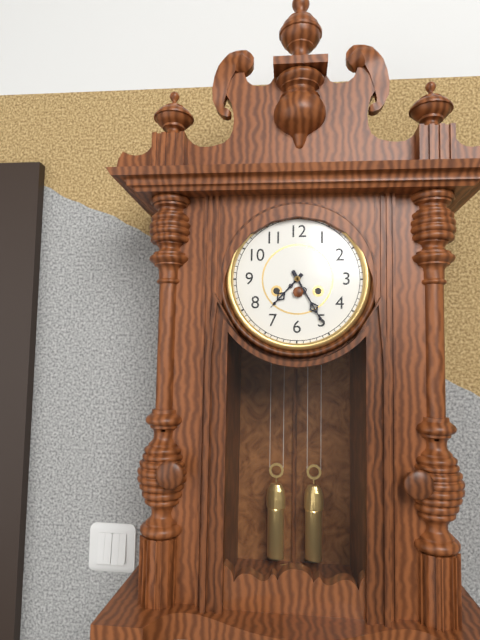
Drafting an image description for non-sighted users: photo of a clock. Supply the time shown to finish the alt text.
7:25
